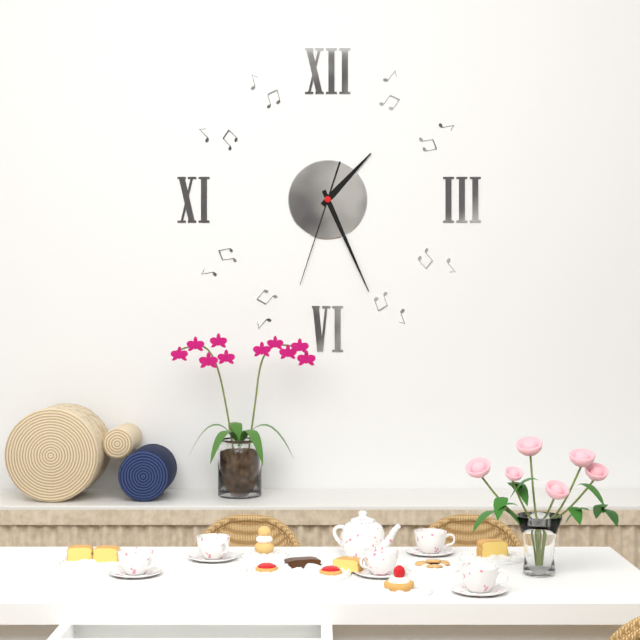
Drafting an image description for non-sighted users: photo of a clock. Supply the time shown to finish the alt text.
1:26:33
